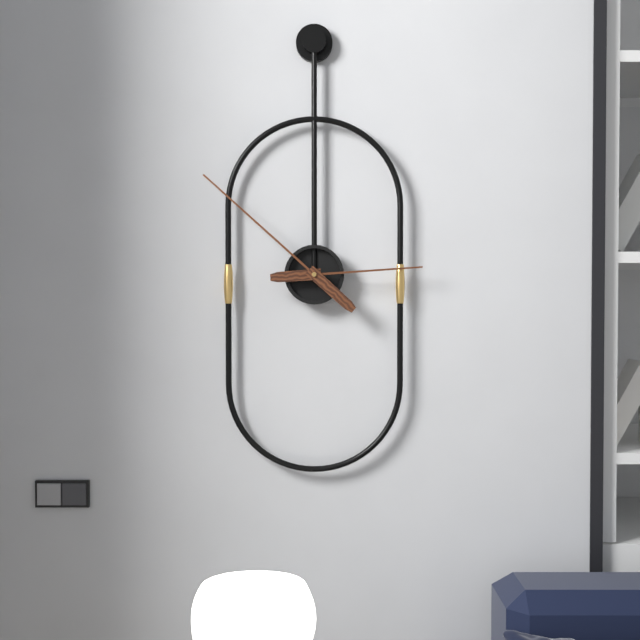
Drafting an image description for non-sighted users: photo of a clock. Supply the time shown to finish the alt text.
2:52
